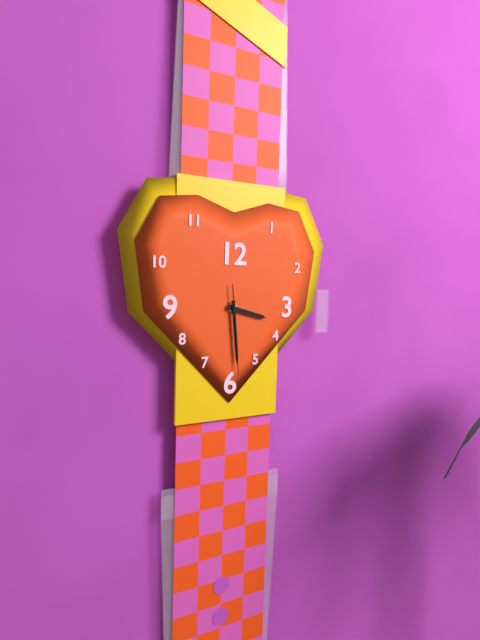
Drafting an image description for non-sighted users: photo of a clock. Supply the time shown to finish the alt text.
3:29:29
